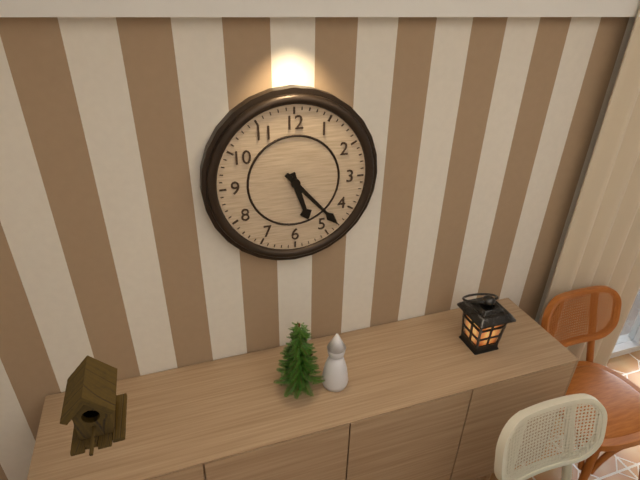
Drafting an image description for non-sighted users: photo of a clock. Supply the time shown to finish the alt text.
5:23
